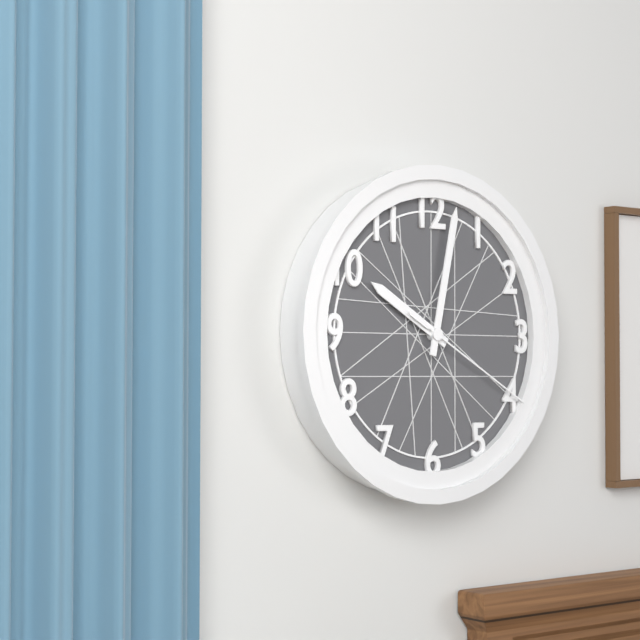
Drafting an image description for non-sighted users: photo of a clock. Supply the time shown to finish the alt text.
10:02:20
